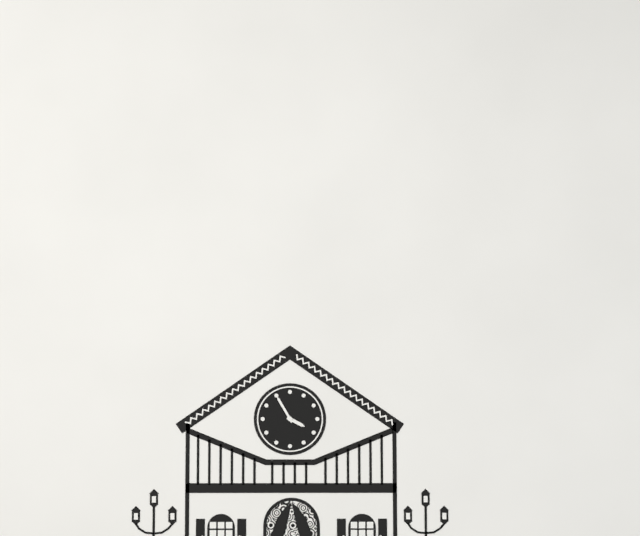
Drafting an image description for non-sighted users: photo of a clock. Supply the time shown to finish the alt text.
3:55
